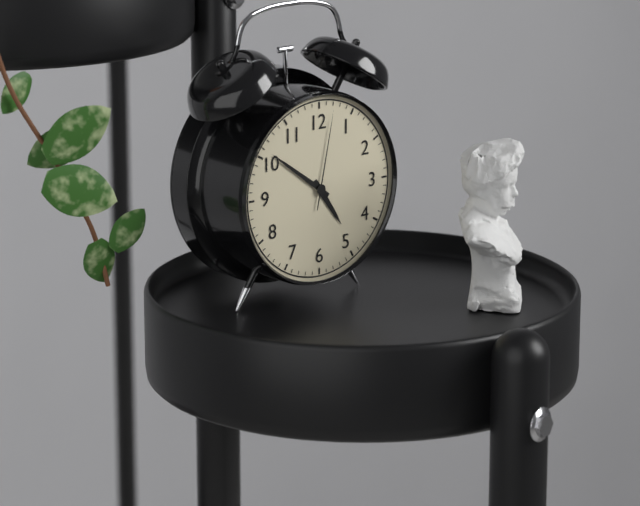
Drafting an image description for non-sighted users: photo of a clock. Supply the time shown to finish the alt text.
4:51:02
